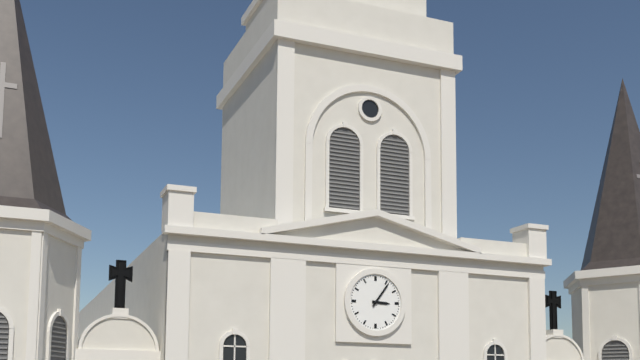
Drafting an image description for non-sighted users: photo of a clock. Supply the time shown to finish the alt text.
3:06
